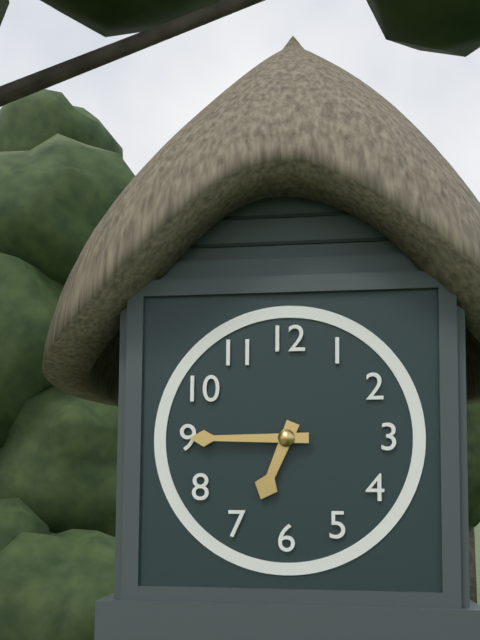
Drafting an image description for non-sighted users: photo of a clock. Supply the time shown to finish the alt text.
6:45
